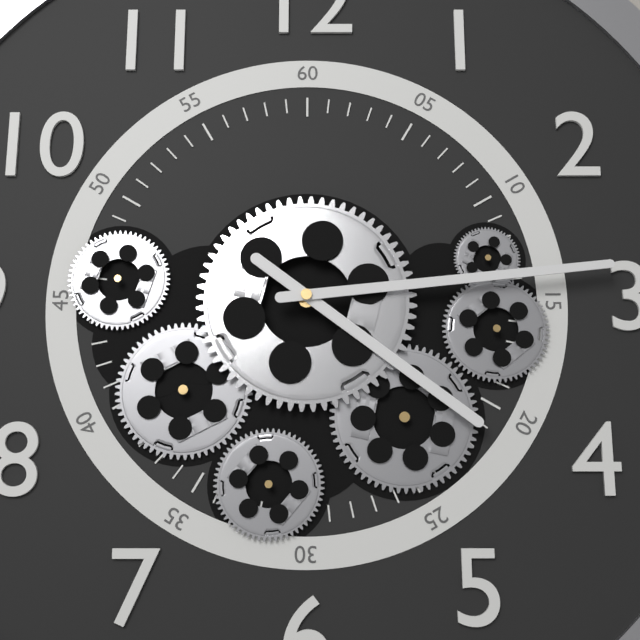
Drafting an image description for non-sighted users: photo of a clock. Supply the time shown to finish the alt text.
4:14
